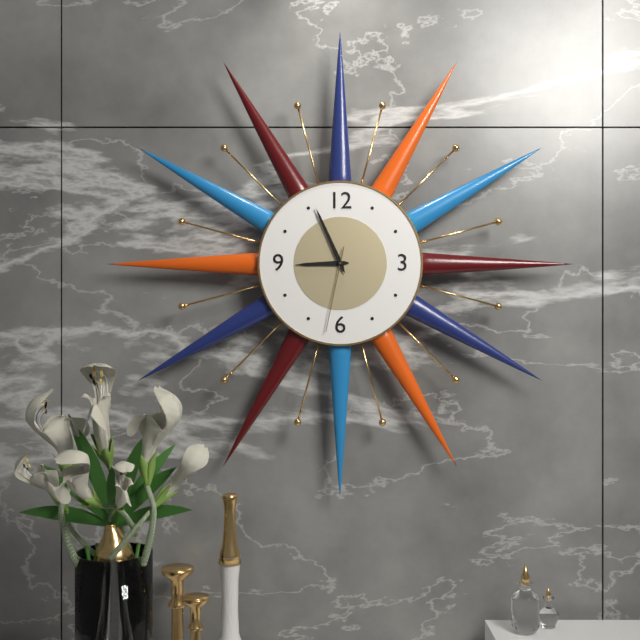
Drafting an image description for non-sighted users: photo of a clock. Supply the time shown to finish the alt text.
8:56:32
